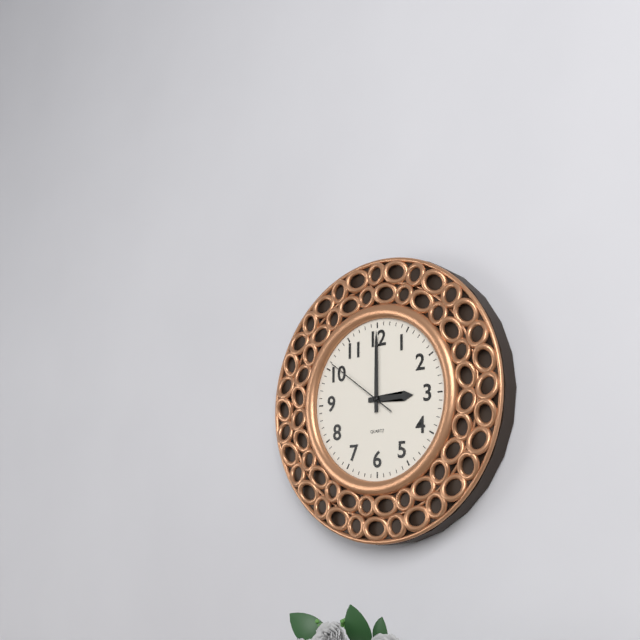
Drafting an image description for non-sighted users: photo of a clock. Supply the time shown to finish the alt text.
3:00:51
